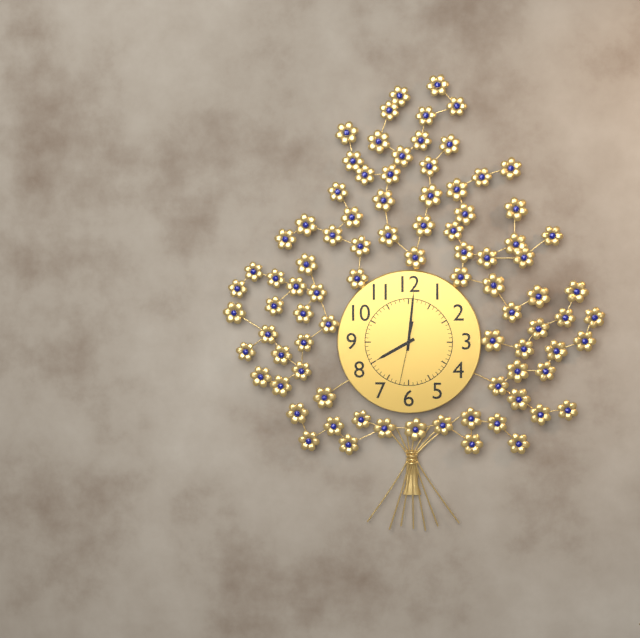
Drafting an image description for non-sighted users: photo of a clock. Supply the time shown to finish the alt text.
8:01:32
